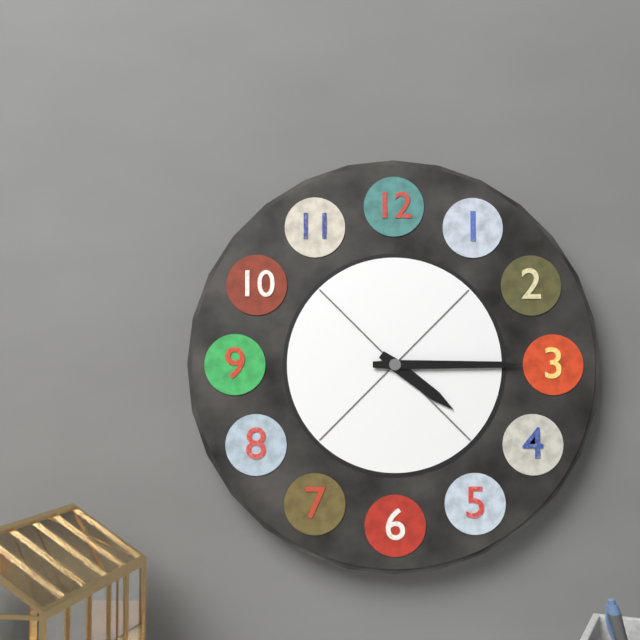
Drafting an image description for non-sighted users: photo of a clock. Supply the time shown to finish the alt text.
4:15
